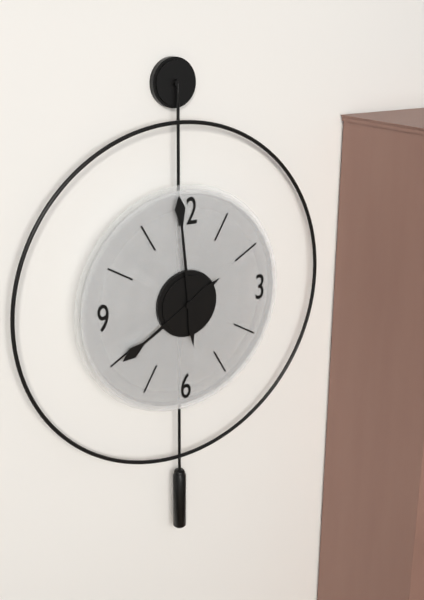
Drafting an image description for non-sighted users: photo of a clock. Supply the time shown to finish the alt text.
7:59
